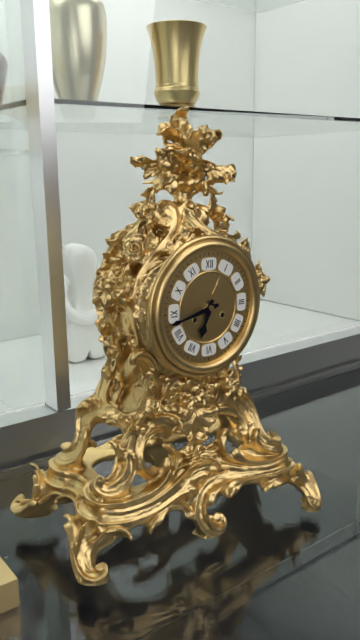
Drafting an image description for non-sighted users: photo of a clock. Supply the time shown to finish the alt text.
6:43
